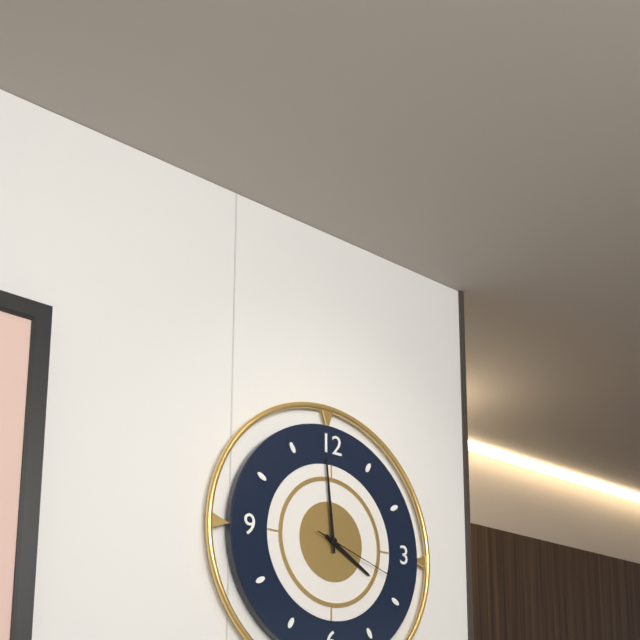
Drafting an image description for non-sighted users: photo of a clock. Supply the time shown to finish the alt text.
3:59:18
